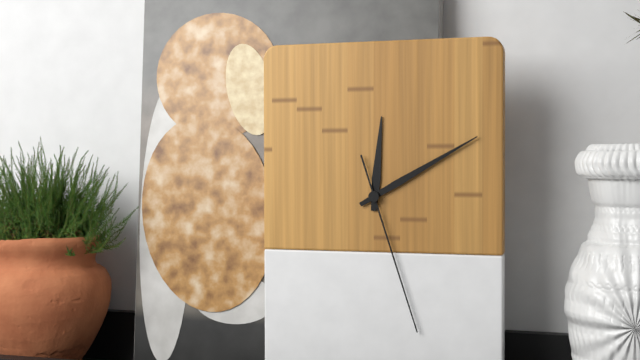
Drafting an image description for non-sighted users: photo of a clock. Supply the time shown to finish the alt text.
12:10:27
